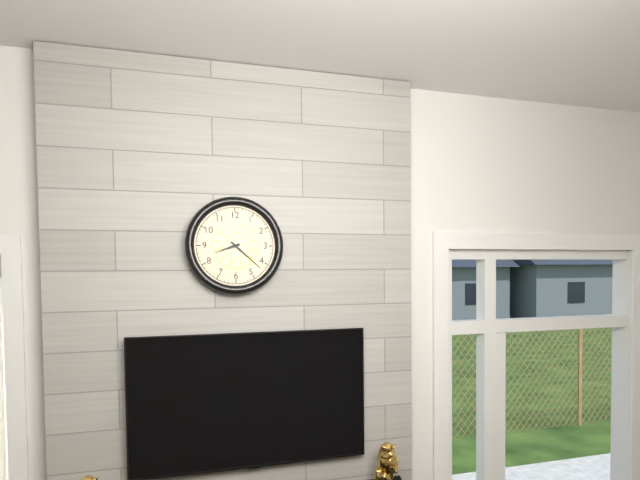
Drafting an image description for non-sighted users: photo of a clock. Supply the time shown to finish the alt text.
8:22
